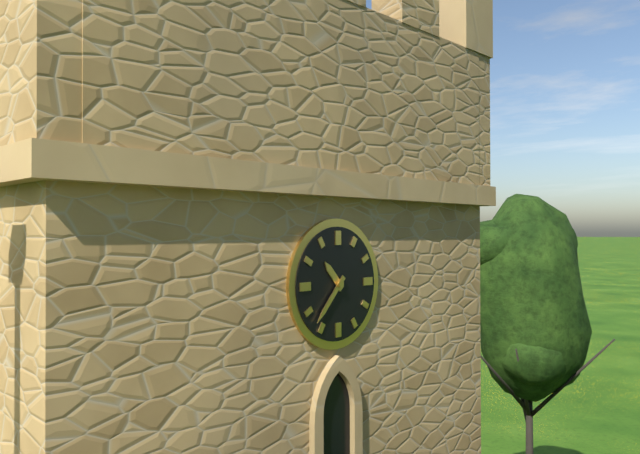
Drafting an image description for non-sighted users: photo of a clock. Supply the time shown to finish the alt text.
10:37
